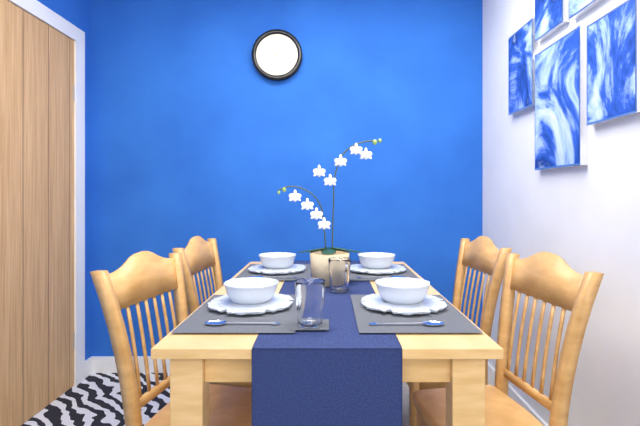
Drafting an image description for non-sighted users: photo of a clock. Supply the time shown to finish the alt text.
4:53
